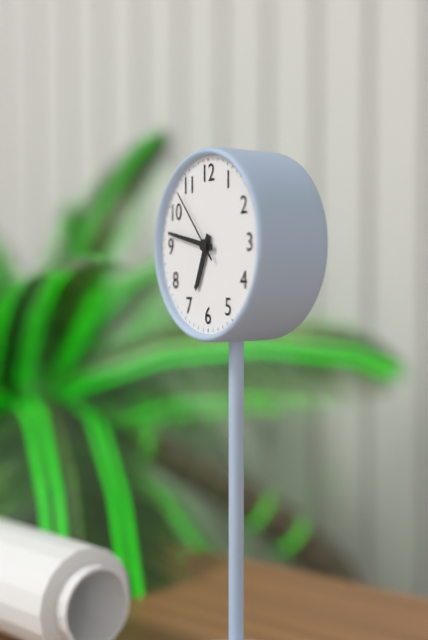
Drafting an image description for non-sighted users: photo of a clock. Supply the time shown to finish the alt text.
6:47:53
